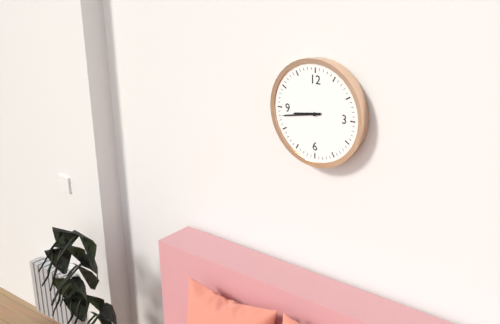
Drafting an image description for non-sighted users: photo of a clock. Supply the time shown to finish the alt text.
8:43
